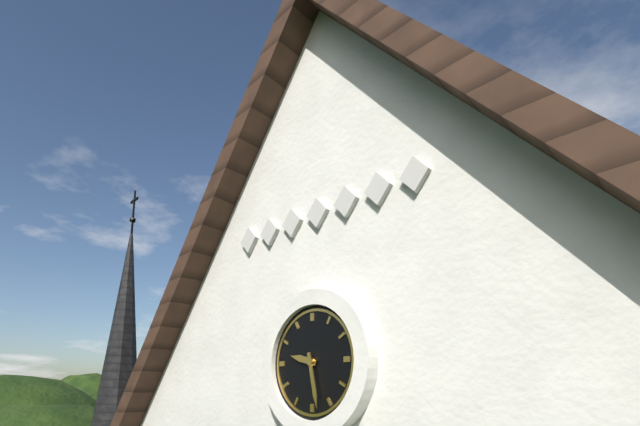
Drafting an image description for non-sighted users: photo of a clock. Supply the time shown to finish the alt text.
9:28
